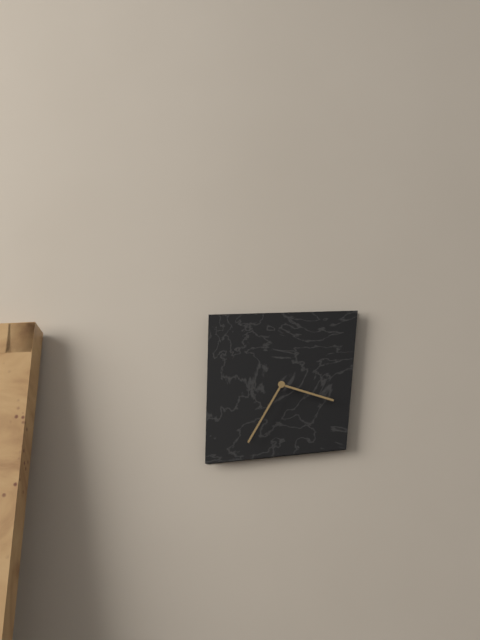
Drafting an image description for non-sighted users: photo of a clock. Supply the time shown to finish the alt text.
3:35
